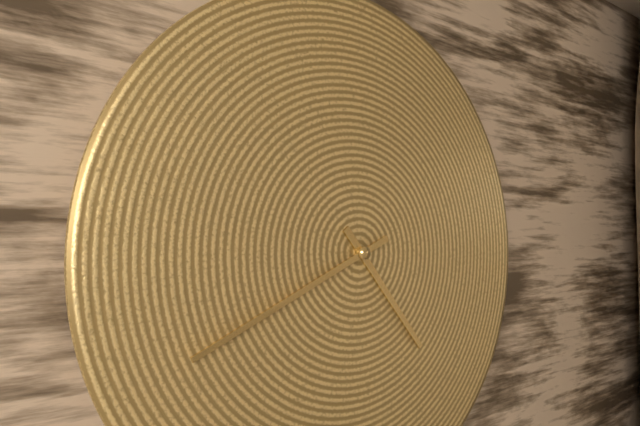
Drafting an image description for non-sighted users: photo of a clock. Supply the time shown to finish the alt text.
4:41
